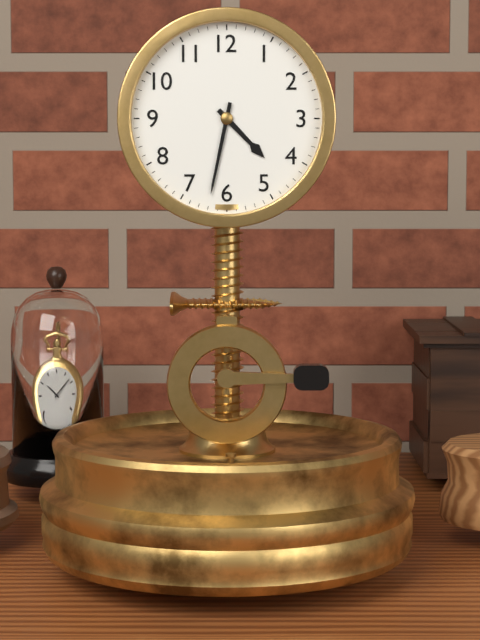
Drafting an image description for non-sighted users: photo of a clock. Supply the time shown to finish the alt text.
4:32
